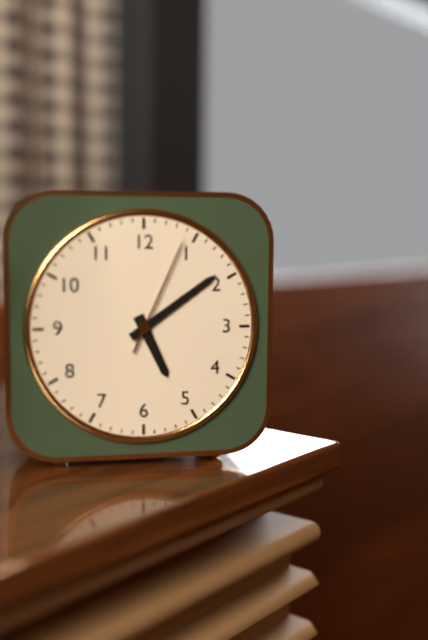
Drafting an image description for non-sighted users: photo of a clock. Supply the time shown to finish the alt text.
5:09:04
